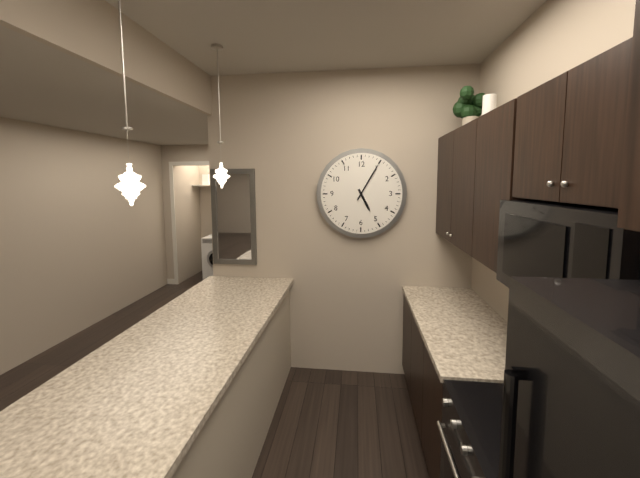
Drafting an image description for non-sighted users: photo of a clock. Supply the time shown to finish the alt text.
5:05
